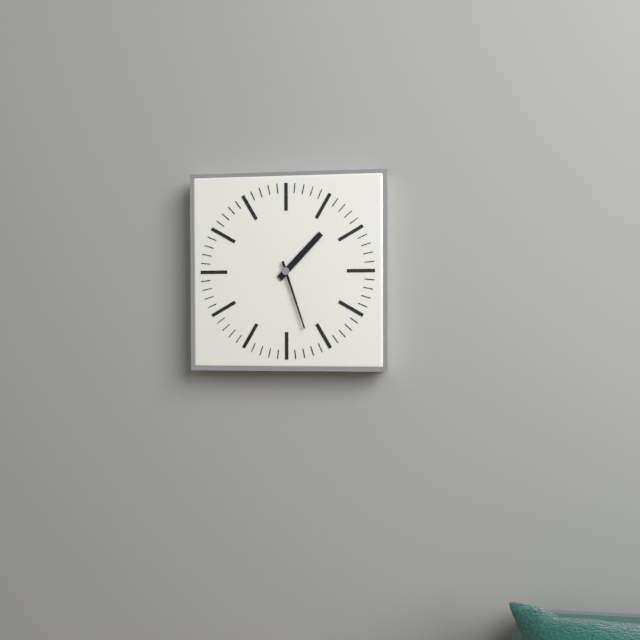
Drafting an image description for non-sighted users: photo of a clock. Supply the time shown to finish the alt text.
1:27
